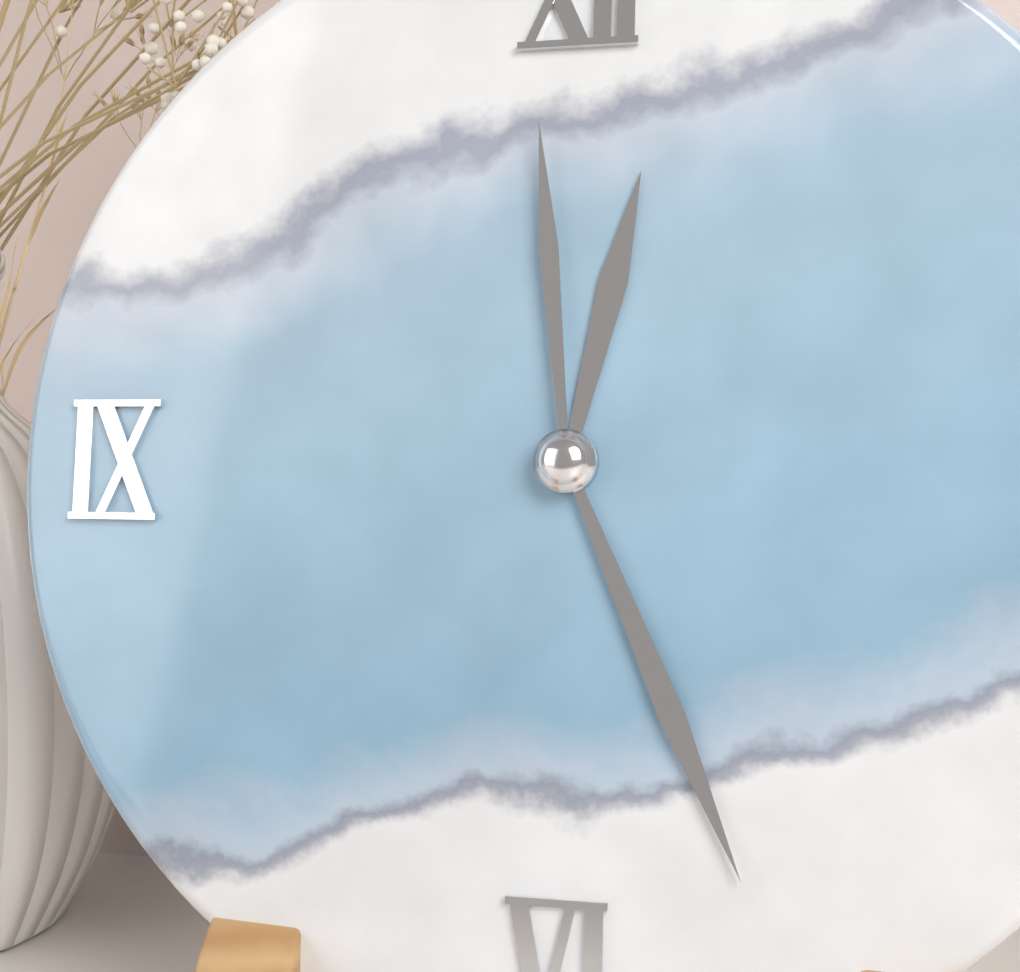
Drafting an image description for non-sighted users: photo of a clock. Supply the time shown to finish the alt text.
12:26:59
